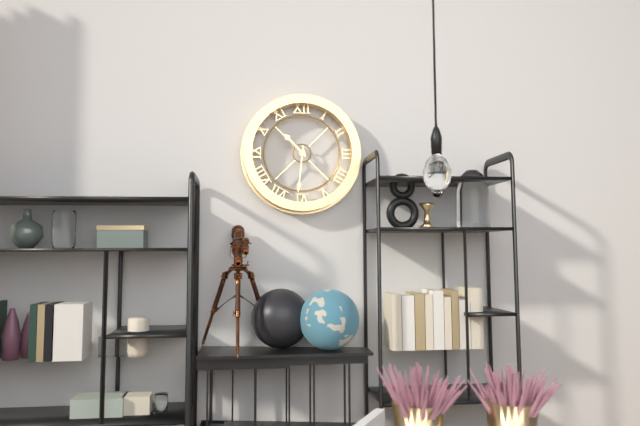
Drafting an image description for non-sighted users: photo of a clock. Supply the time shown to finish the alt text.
10:31
